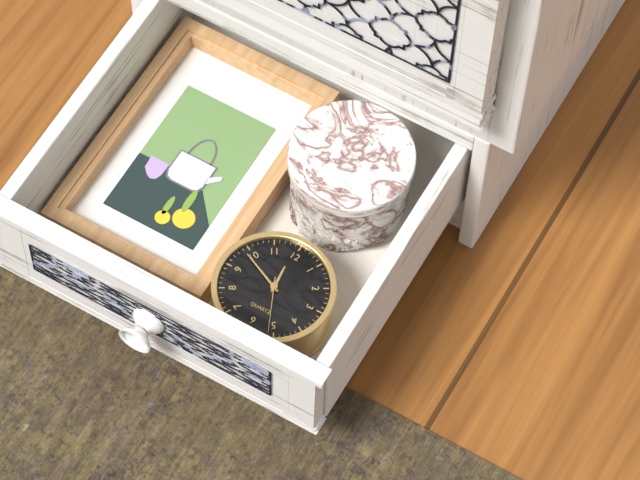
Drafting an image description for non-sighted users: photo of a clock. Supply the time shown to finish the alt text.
11:49:26
